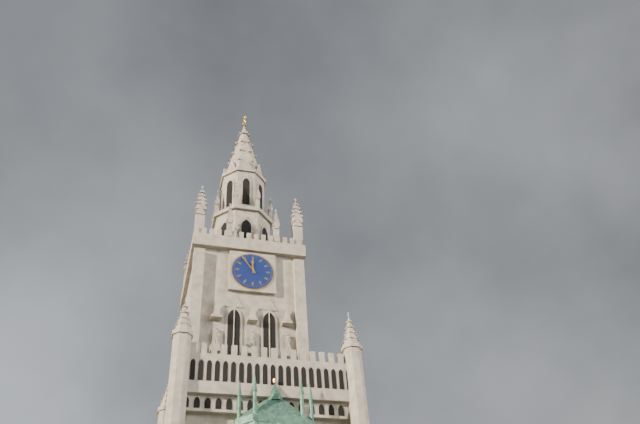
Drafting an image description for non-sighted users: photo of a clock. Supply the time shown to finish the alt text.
11:54
